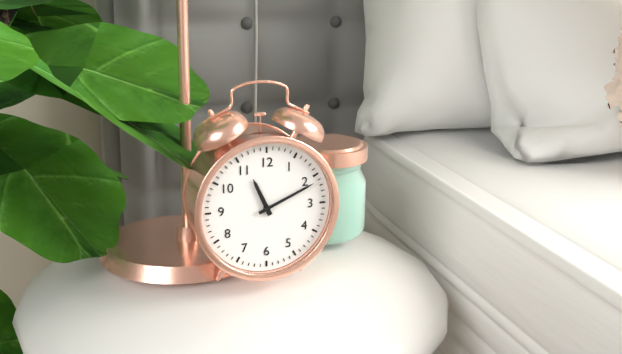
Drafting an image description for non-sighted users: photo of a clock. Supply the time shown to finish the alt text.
11:11
